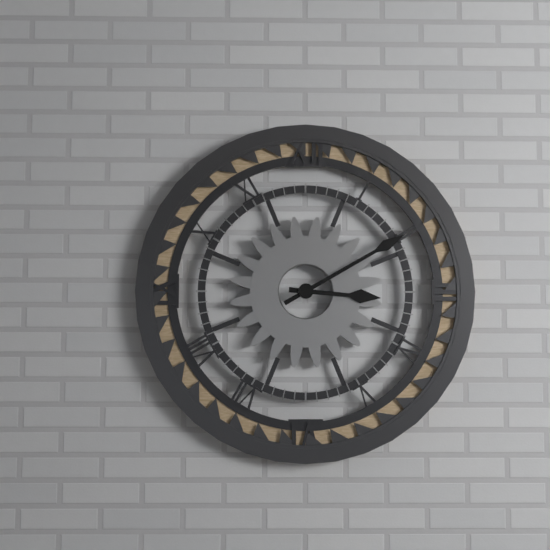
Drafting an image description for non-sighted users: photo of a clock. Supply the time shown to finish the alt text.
3:10
